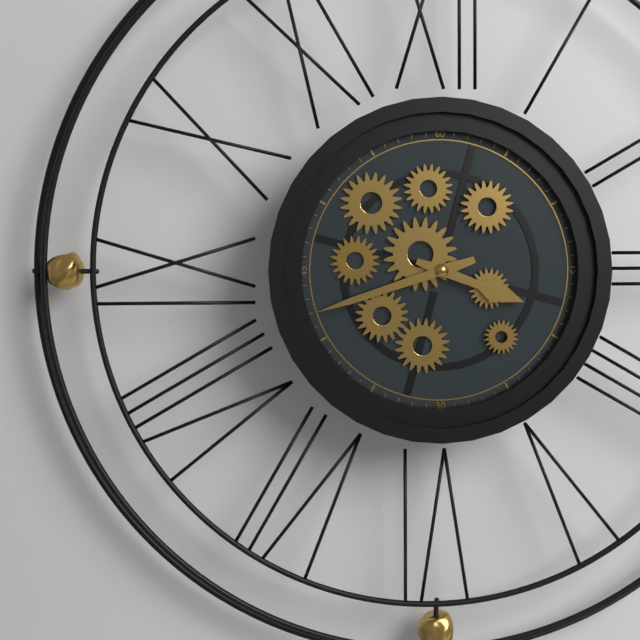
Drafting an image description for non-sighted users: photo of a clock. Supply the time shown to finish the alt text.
3:42
